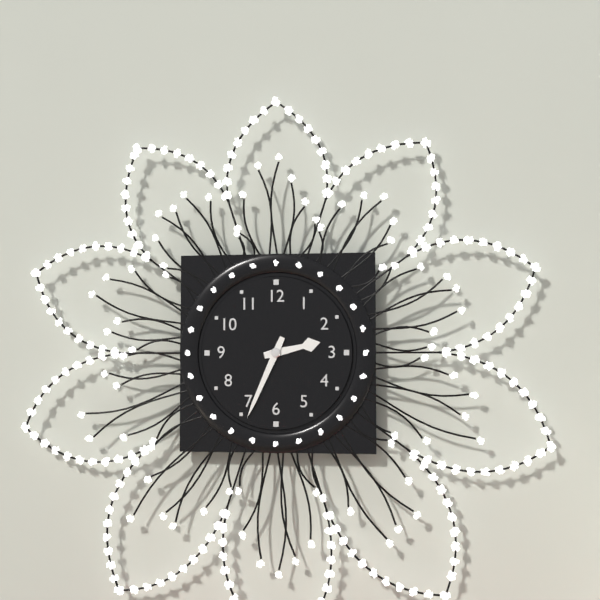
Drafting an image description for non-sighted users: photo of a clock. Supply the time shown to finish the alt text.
2:34
